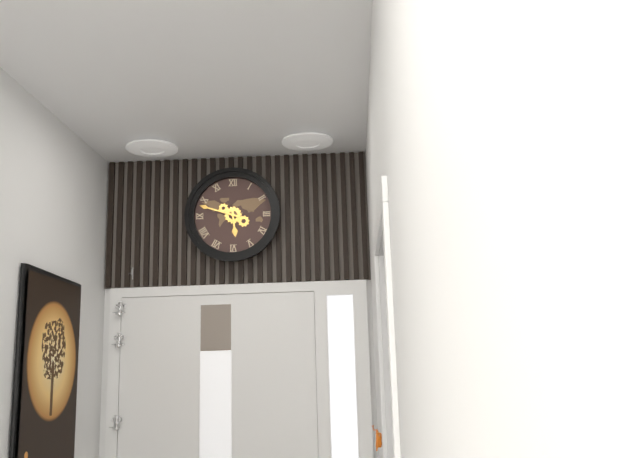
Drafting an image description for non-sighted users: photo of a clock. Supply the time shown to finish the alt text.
5:48
